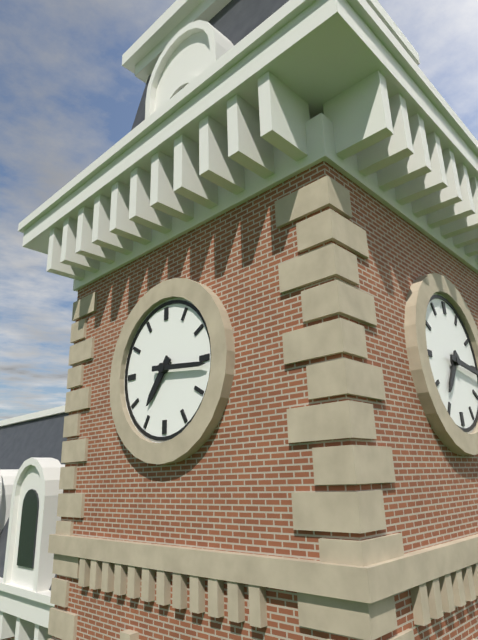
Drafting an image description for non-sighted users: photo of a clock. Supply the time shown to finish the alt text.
7:16
